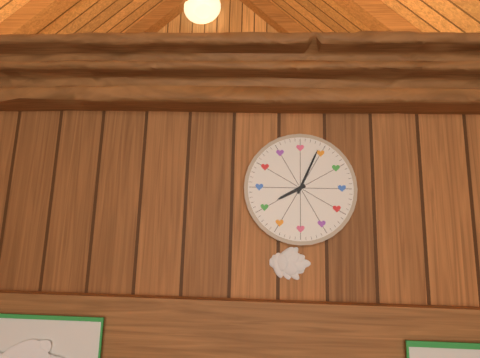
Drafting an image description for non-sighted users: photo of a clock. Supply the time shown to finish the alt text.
8:04
